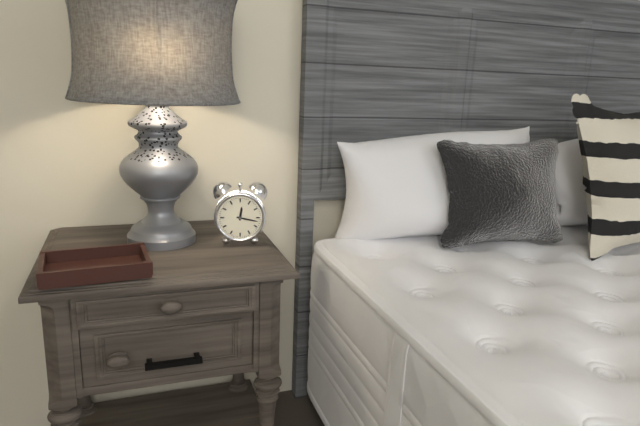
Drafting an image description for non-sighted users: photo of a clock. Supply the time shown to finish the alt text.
12:17
